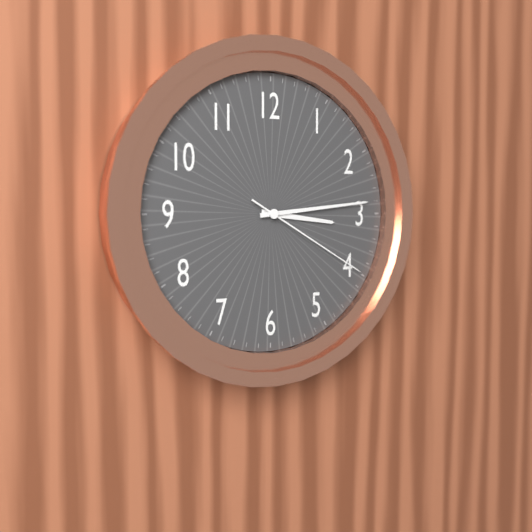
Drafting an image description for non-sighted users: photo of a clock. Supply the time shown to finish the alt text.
3:14:20
